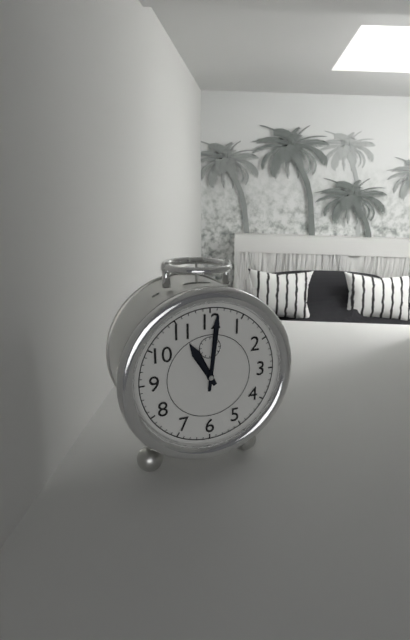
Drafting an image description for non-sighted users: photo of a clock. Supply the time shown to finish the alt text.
11:01
